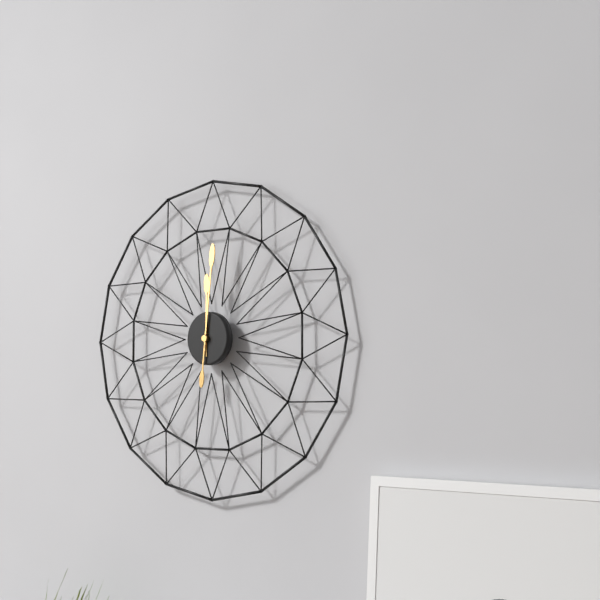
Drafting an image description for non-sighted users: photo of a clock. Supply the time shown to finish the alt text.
12:01
